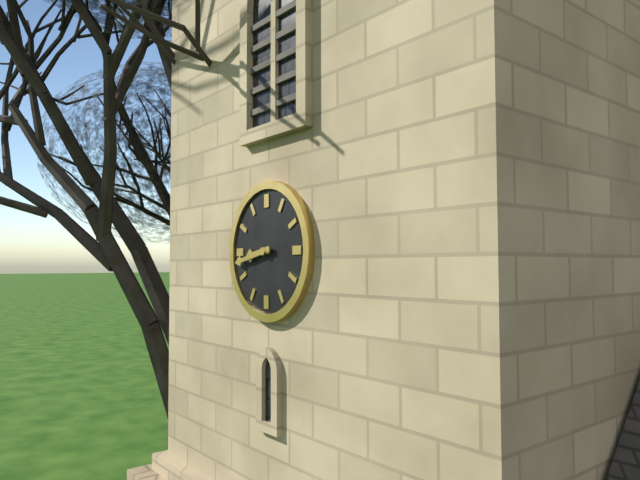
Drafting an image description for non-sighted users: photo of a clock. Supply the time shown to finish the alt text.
8:43
